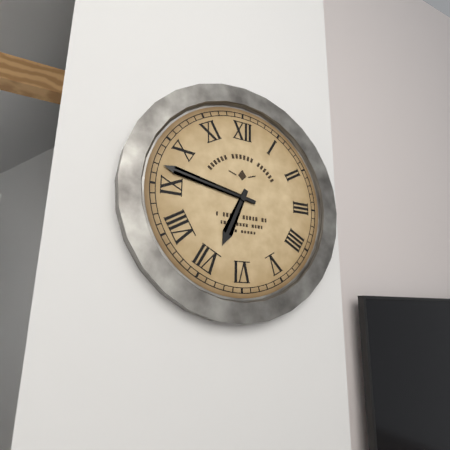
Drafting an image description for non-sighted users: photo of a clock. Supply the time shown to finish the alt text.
6:47
